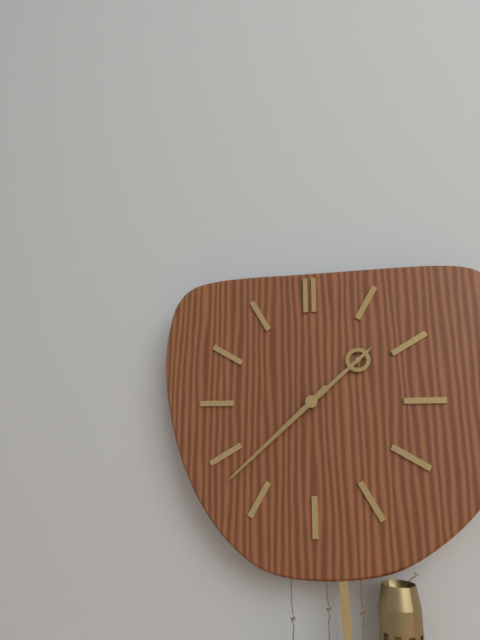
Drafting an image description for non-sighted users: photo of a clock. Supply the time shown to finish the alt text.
1:38
